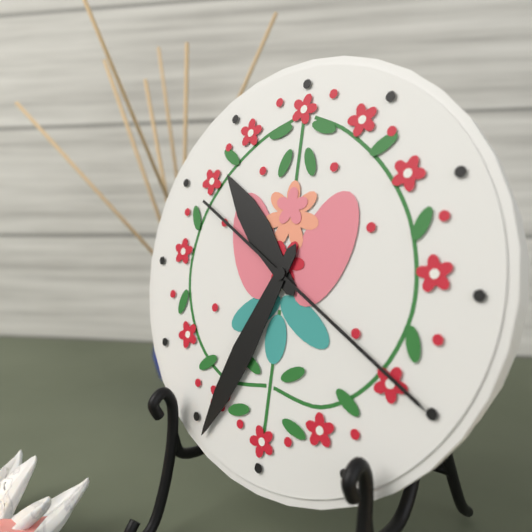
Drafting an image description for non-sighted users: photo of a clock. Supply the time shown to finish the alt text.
10:34:20
